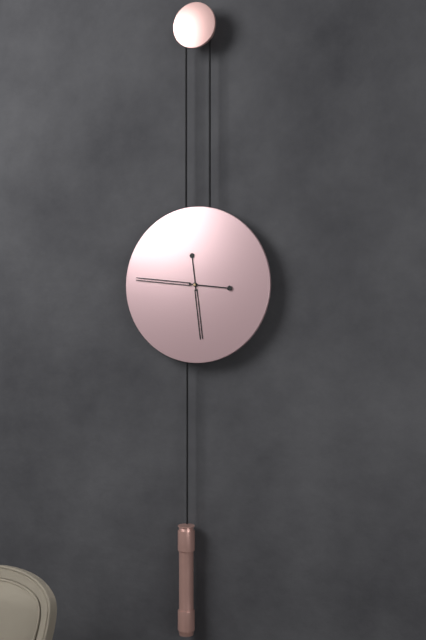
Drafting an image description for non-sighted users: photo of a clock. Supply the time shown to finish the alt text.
5:46
